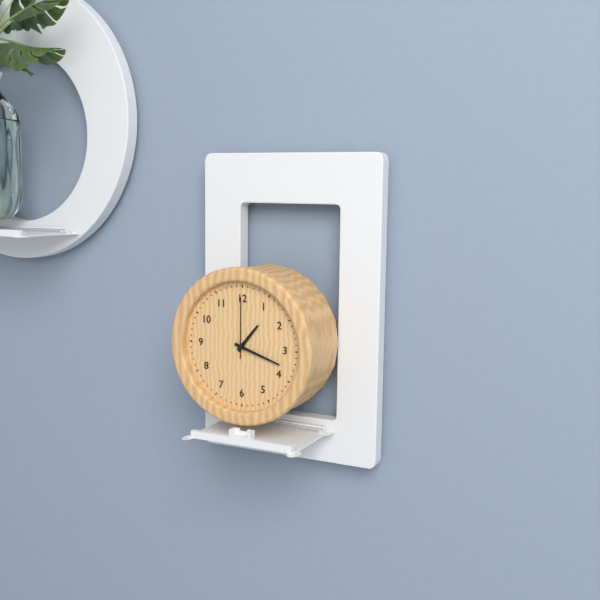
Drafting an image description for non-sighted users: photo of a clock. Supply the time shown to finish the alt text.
1:18:00
